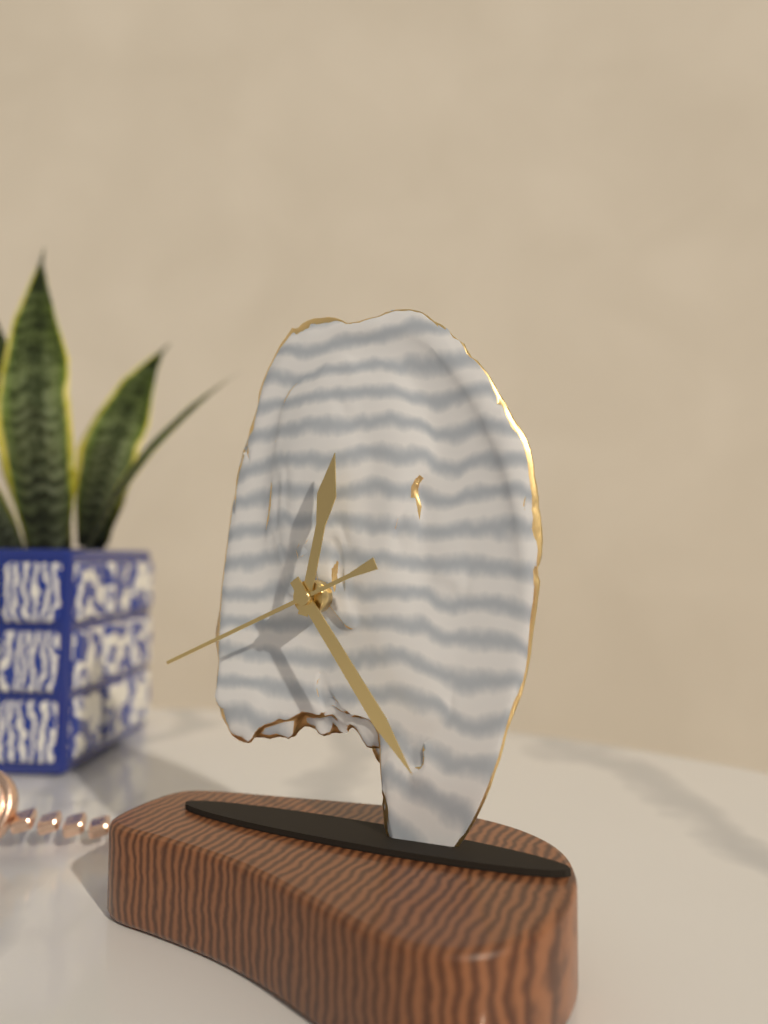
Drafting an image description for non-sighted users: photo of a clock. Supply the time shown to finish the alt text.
12:24:41
